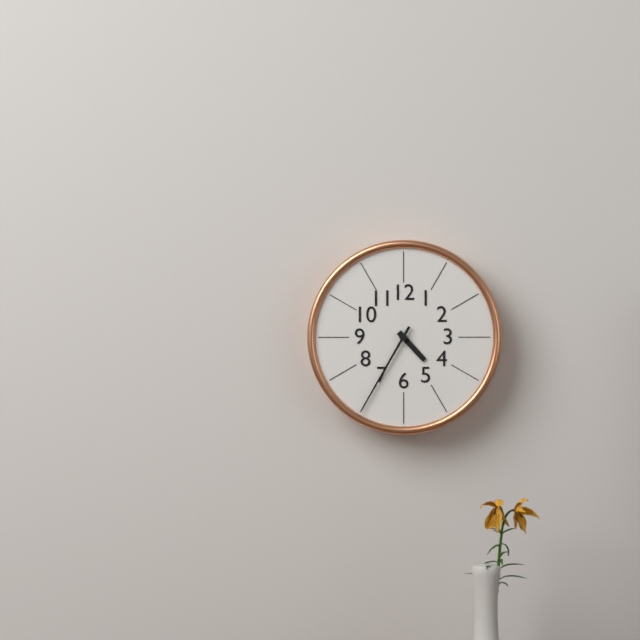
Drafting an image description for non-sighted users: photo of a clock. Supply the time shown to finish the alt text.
4:35
